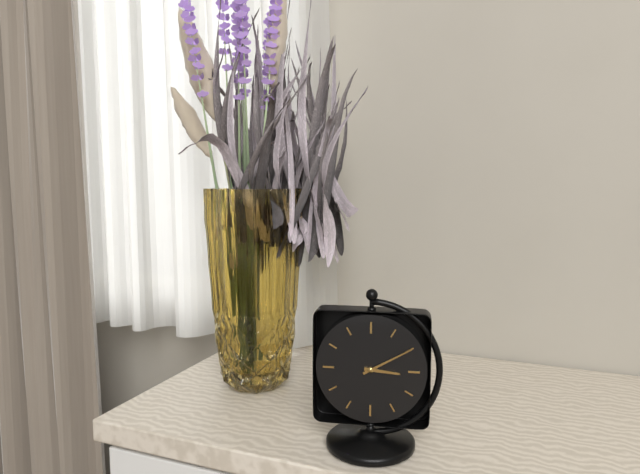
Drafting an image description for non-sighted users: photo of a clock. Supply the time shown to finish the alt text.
3:10
